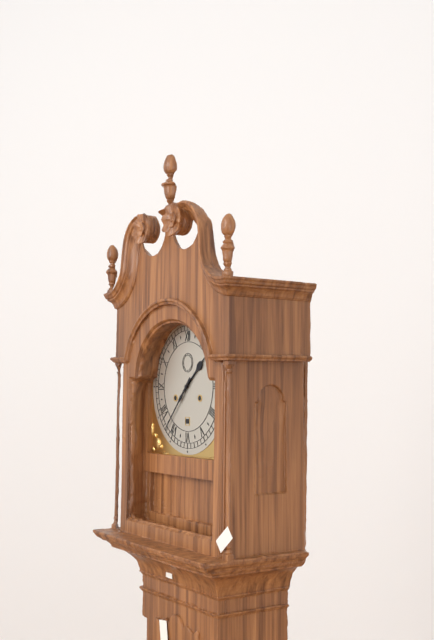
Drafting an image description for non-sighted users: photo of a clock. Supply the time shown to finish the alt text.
1:37
